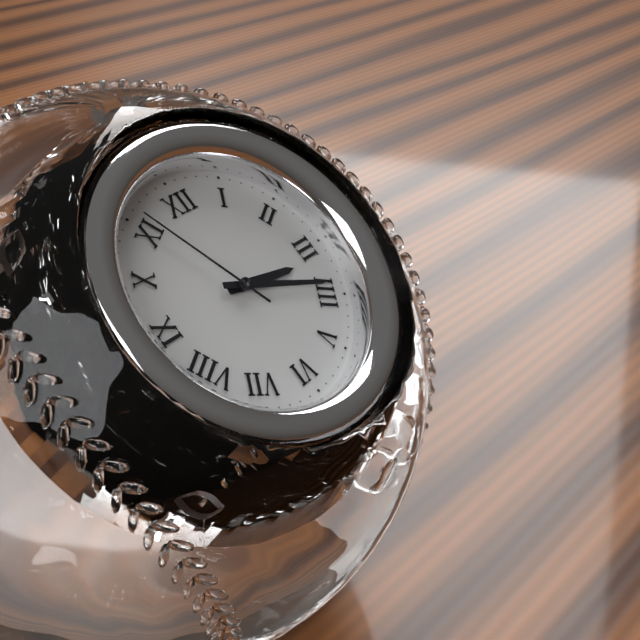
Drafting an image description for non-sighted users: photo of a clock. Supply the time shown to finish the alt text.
3:19:56
